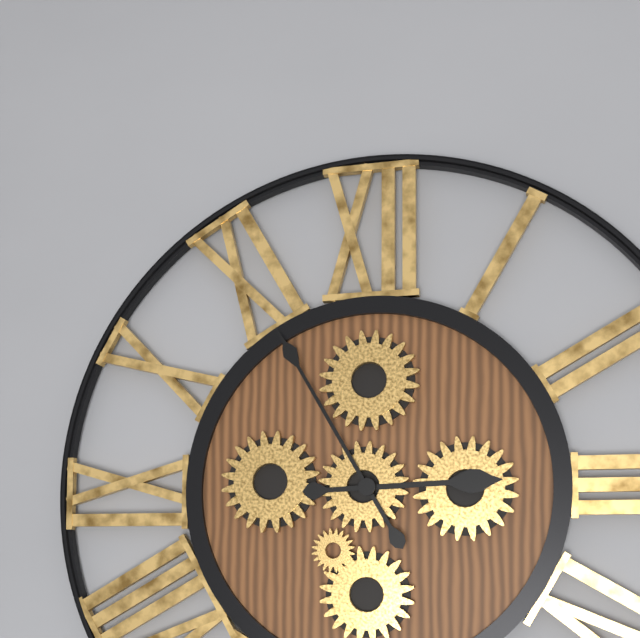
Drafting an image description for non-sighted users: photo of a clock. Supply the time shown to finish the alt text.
2:55
